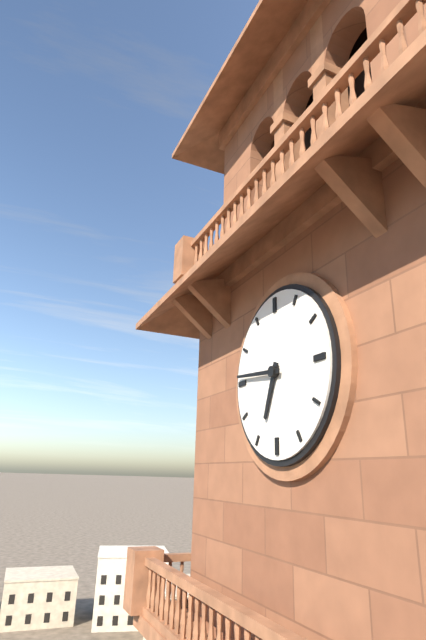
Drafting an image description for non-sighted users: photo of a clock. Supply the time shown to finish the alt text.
6:46
